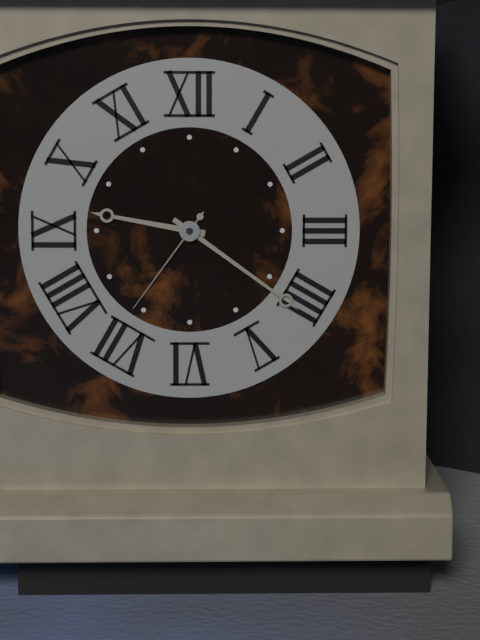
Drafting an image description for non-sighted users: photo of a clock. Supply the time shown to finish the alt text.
9:21:36
